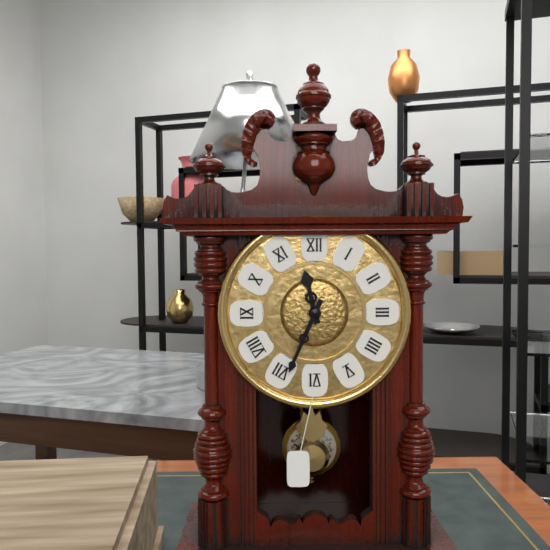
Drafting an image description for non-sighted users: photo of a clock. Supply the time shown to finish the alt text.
11:34
